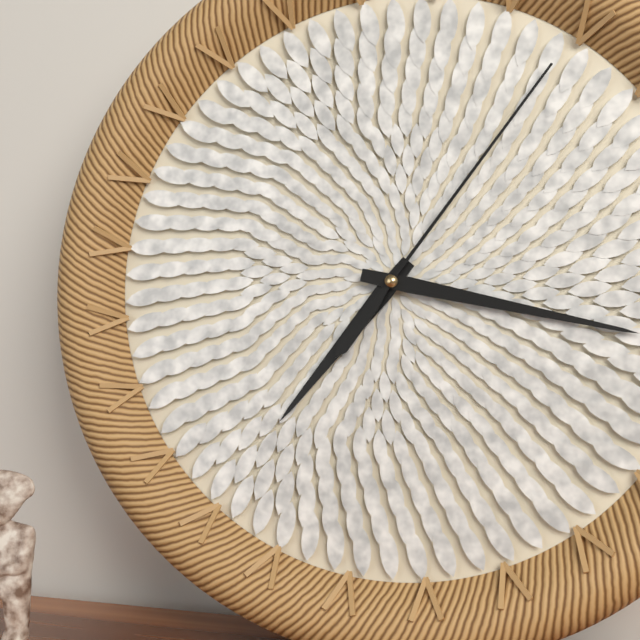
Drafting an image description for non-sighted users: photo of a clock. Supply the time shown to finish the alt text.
7:17:06
